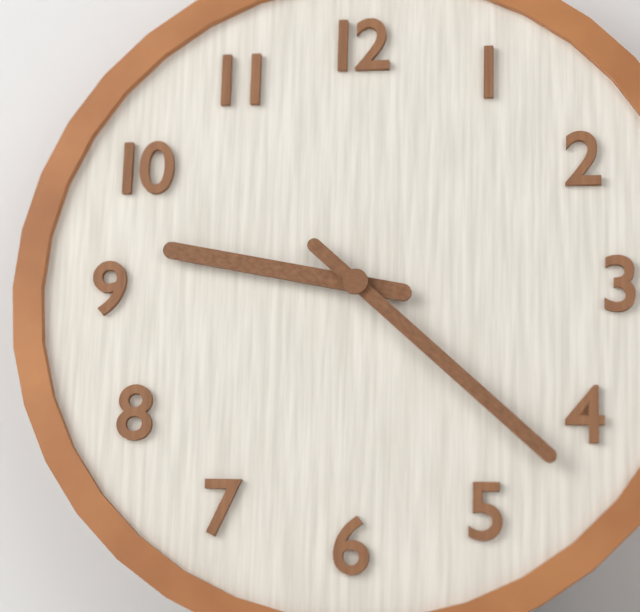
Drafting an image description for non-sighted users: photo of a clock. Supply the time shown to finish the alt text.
9:22
